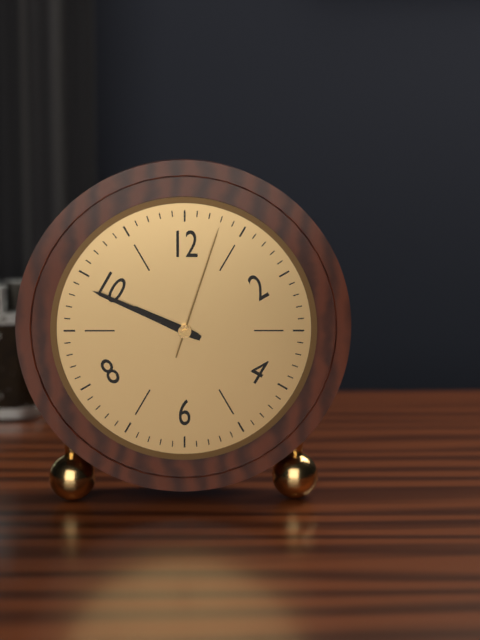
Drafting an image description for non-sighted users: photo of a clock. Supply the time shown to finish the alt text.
9:49:03
